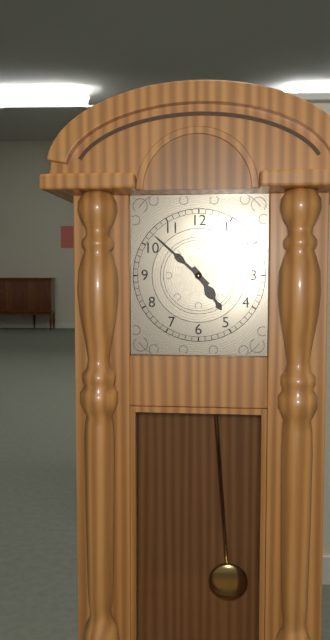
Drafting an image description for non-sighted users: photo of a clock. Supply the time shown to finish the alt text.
4:52
